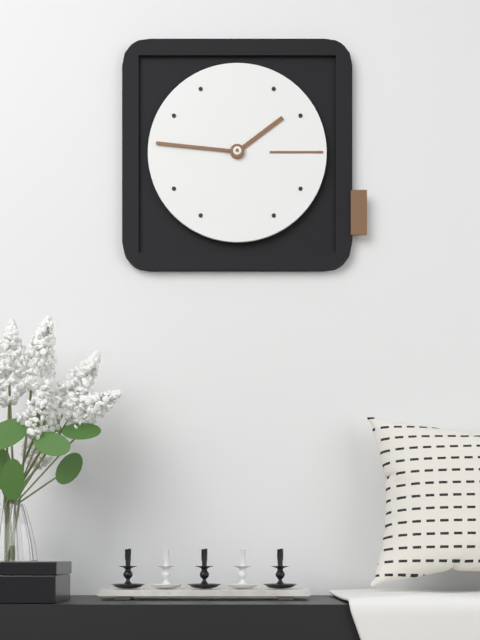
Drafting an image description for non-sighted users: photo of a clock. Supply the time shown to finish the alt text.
1:46
